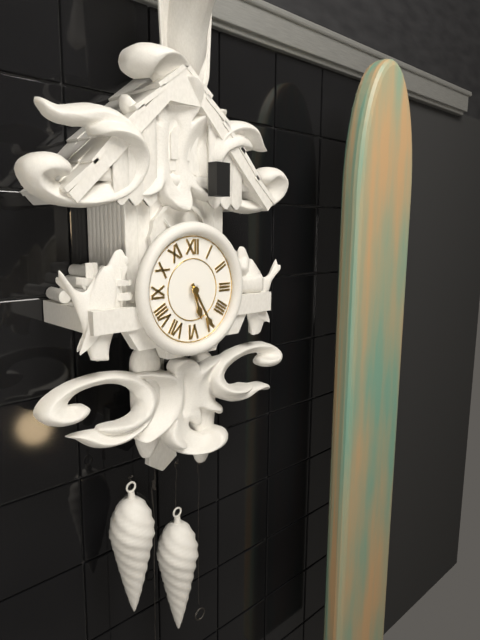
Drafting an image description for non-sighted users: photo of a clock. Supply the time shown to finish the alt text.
5:25
